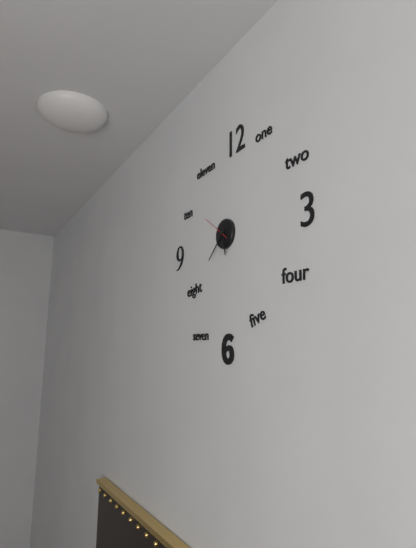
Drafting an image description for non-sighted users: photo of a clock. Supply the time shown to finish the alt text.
5:38
